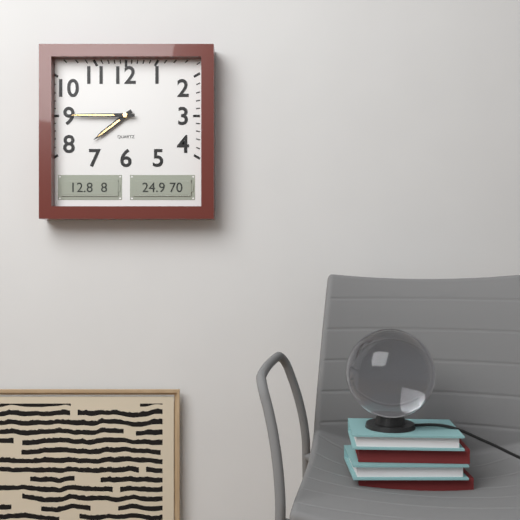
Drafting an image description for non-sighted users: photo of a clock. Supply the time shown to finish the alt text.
7:45
